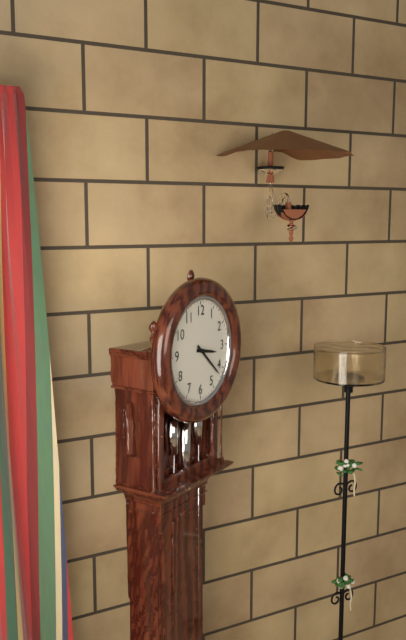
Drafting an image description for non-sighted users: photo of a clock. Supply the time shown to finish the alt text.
3:22
